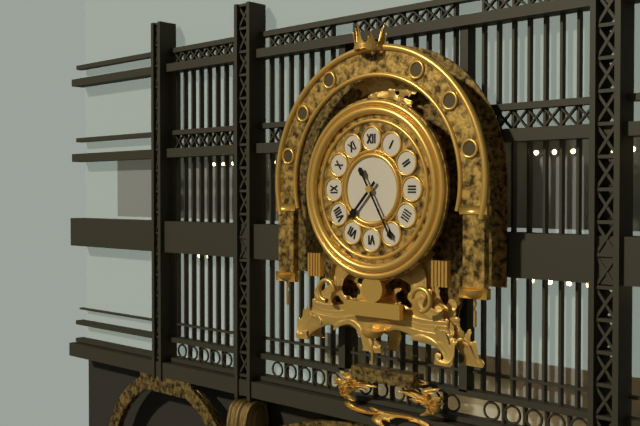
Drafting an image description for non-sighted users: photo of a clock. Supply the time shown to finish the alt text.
7:25
